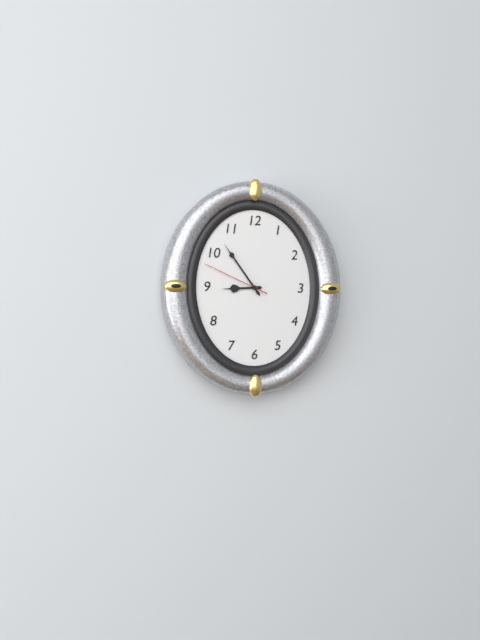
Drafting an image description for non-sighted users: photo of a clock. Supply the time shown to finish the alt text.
8:54:49
